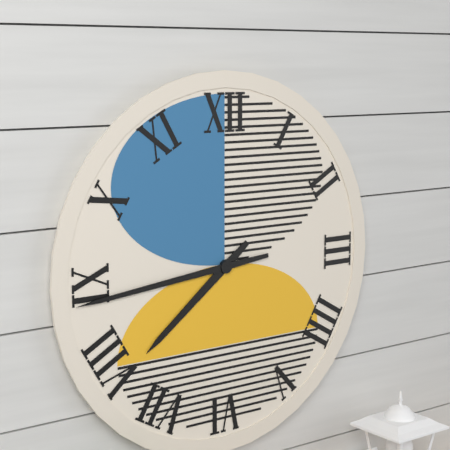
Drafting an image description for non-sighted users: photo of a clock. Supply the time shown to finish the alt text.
7:44
